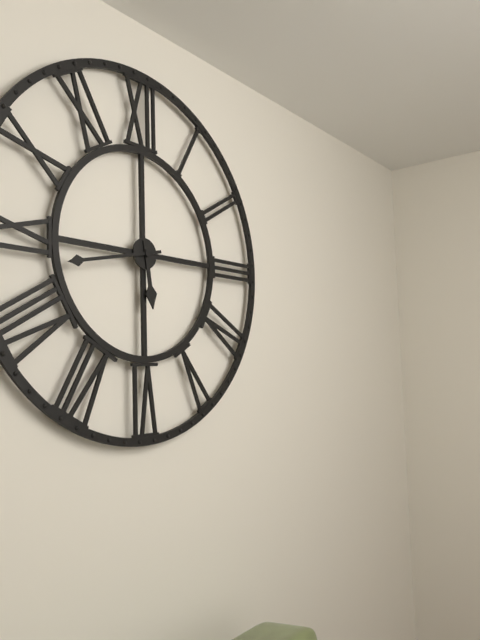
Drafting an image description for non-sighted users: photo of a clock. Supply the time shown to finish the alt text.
5:43
